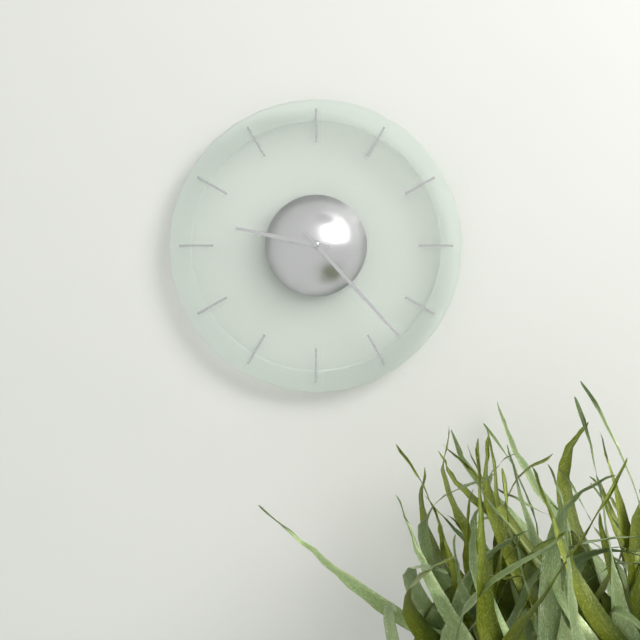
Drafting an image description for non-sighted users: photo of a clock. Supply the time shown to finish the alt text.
9:23
